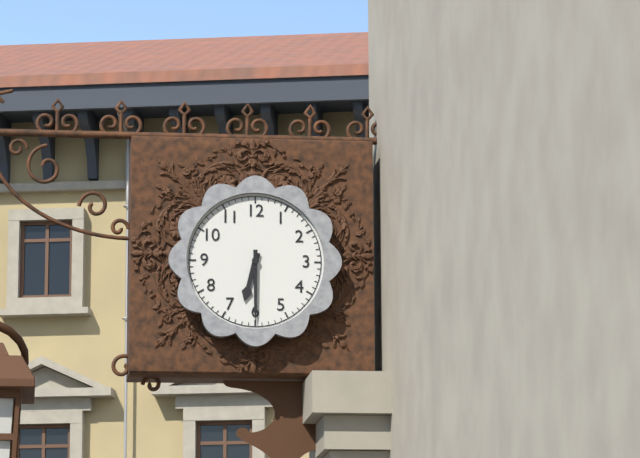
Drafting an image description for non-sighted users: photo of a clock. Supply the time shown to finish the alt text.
6:30
